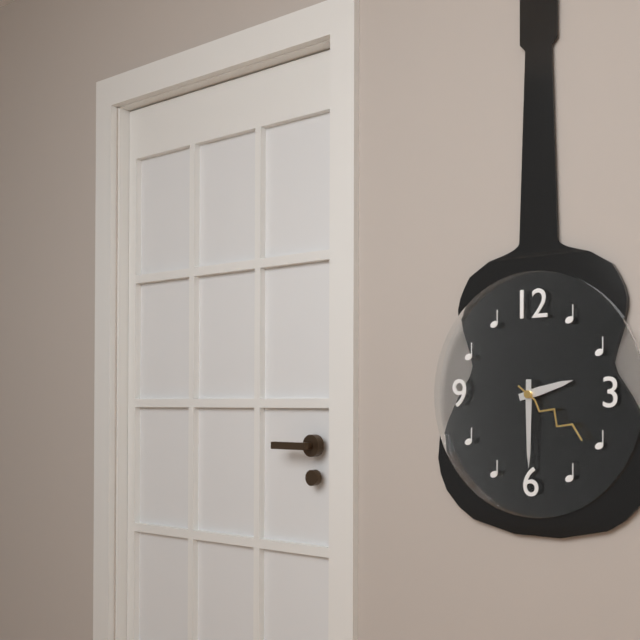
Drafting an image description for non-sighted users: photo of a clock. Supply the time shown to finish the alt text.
2:30:21
